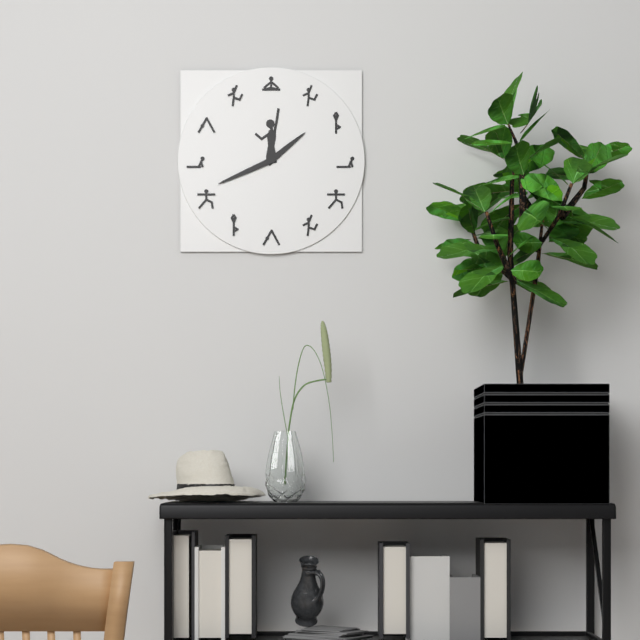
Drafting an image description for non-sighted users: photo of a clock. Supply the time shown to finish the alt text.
1:41
